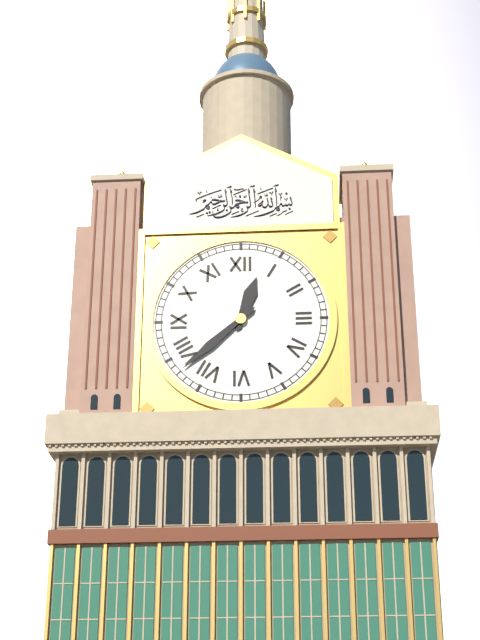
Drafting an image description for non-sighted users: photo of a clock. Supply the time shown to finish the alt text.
12:38
